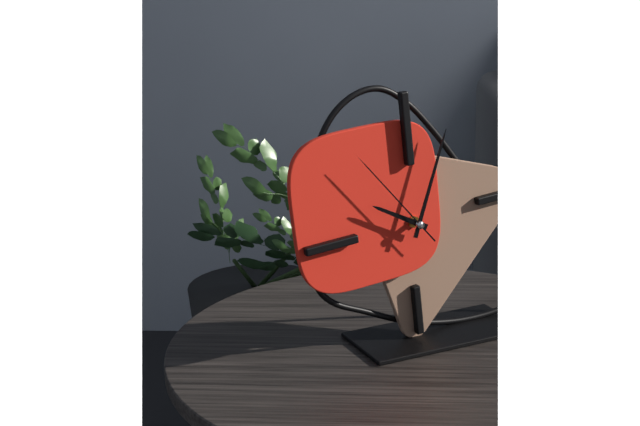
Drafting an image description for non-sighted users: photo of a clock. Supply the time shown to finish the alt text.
10:04:54
